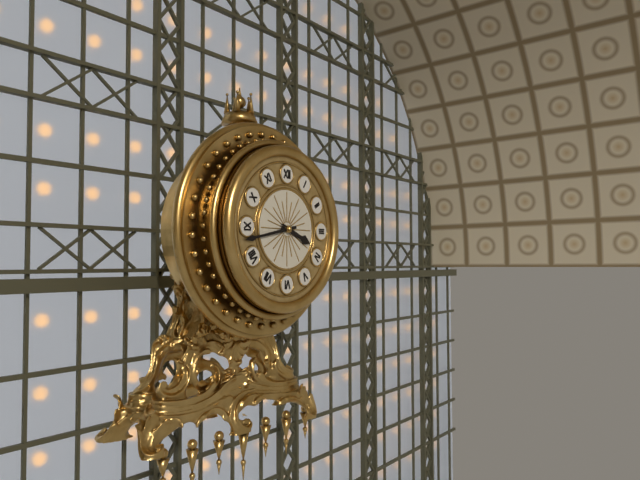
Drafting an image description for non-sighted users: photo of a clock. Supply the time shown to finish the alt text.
3:43
